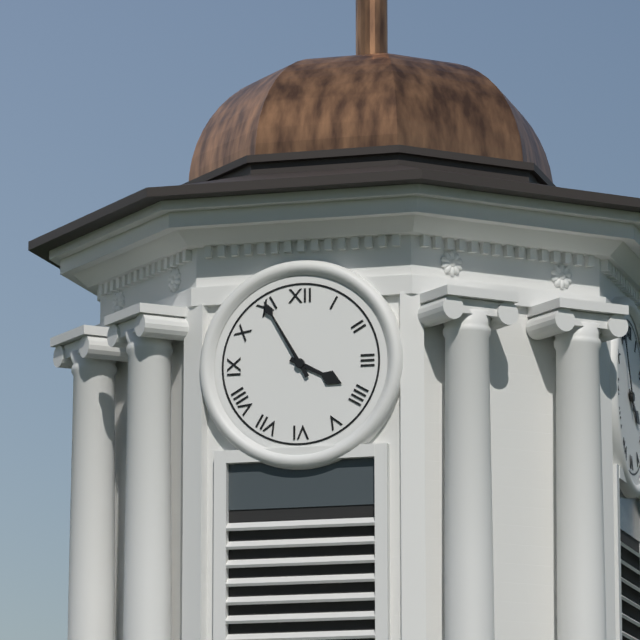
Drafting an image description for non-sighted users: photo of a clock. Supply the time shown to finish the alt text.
3:55
